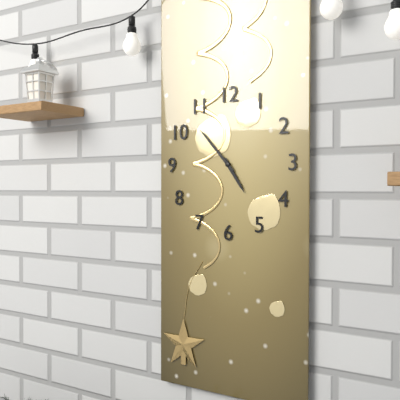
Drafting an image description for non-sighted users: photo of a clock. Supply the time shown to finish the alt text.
4:53
